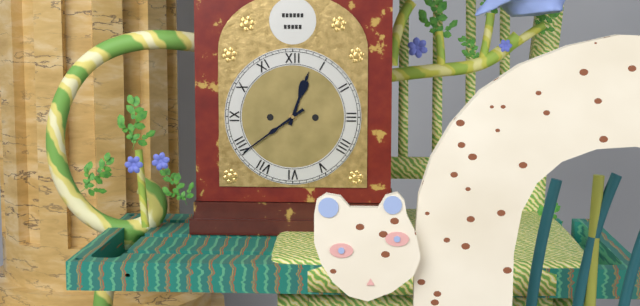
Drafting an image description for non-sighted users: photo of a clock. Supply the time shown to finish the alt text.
12:39
